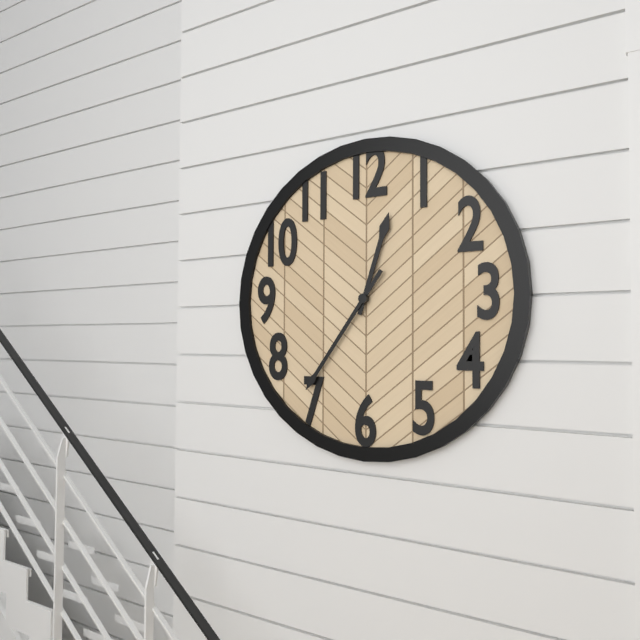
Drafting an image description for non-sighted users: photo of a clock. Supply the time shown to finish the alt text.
12:36
